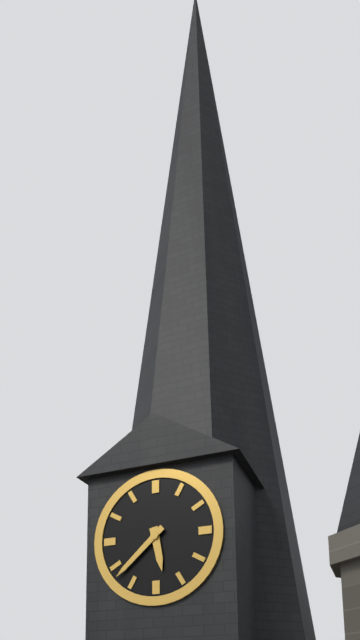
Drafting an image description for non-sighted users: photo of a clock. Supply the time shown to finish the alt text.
5:38
